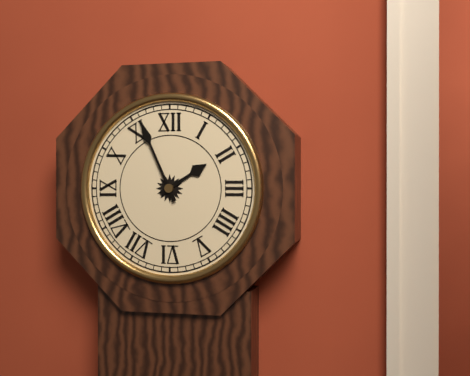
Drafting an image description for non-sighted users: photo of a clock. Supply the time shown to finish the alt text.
1:56
